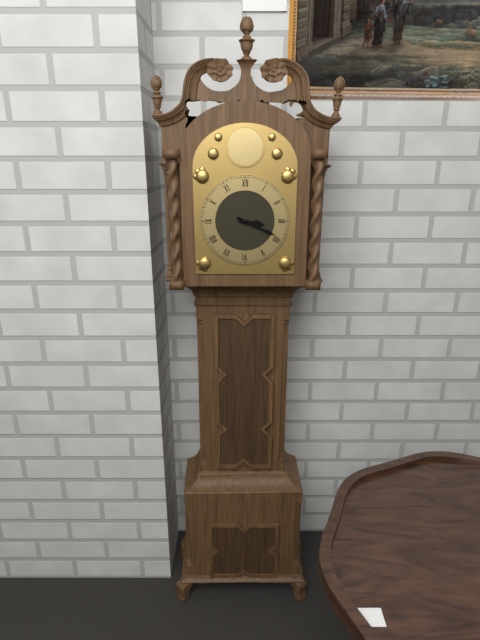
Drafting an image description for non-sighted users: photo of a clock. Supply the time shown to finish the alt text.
3:19
